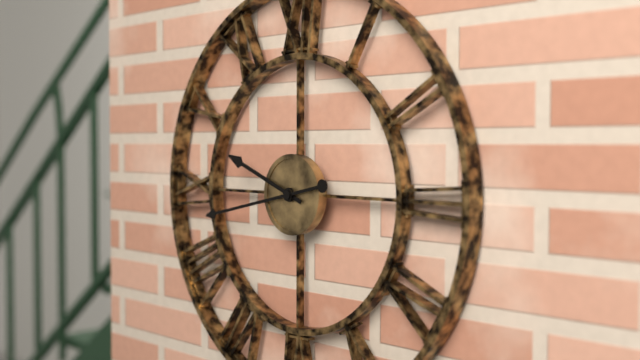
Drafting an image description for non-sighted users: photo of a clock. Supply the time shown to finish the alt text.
9:43
